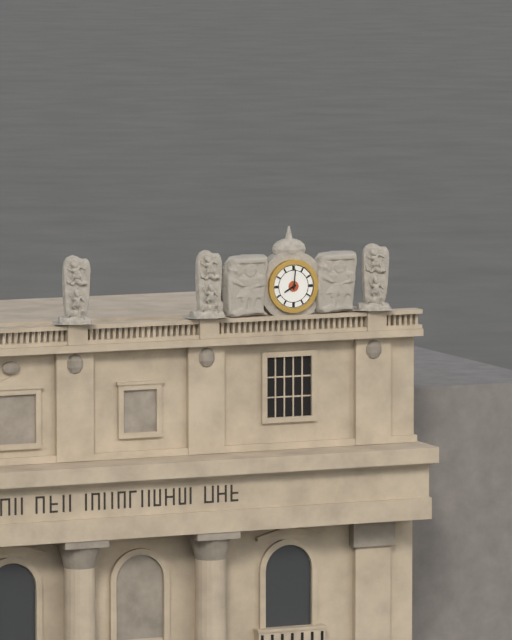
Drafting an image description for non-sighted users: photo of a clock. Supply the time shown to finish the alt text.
8:01
